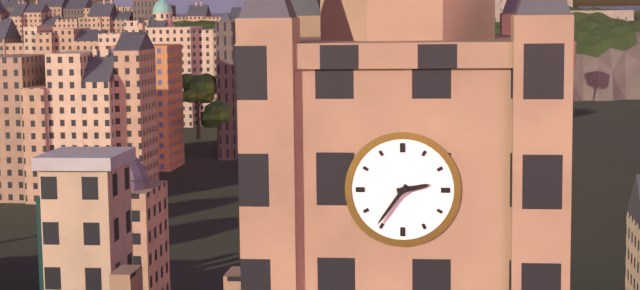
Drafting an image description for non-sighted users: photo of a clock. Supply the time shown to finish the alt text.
2:36
